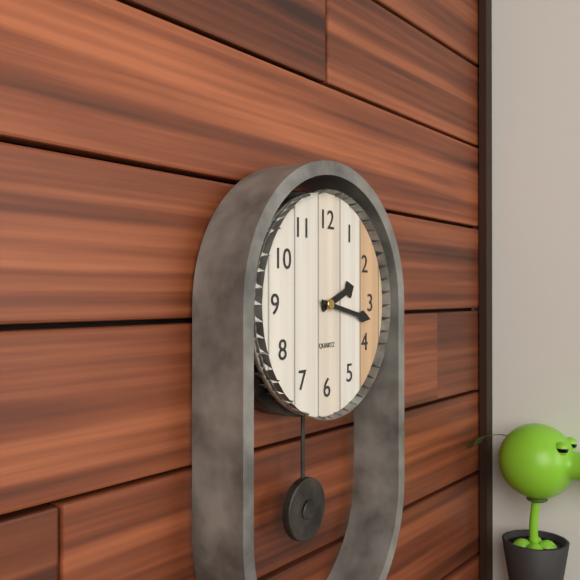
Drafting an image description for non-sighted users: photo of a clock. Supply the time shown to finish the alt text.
2:17
